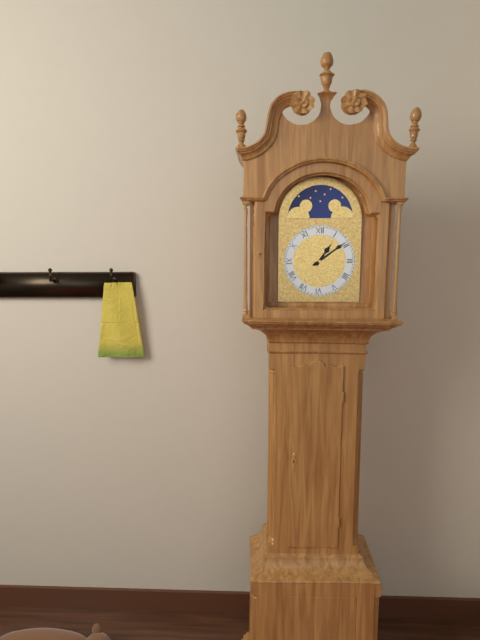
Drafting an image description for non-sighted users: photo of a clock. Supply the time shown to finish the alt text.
1:09
